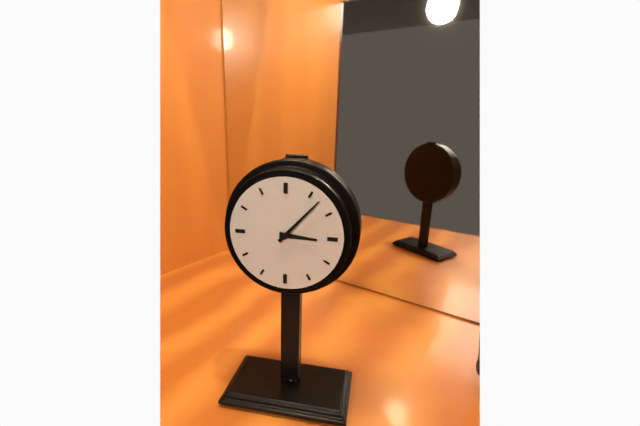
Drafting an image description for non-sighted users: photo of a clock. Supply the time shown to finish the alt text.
3:07
